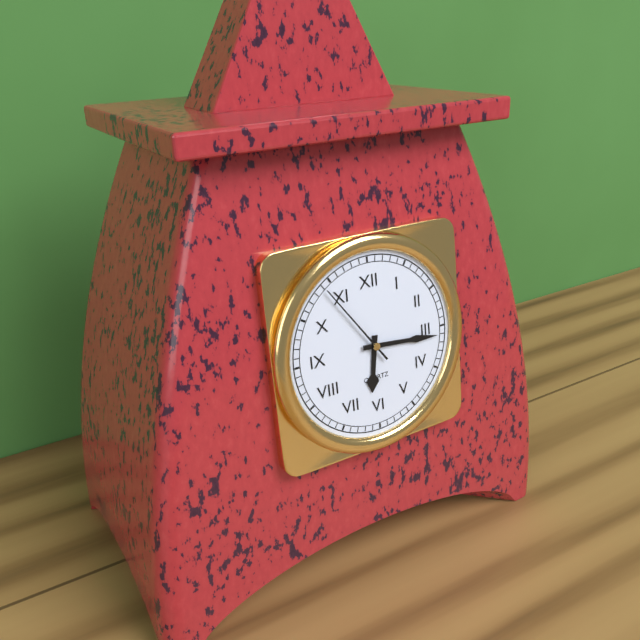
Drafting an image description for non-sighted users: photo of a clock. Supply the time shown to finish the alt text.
6:16:54
